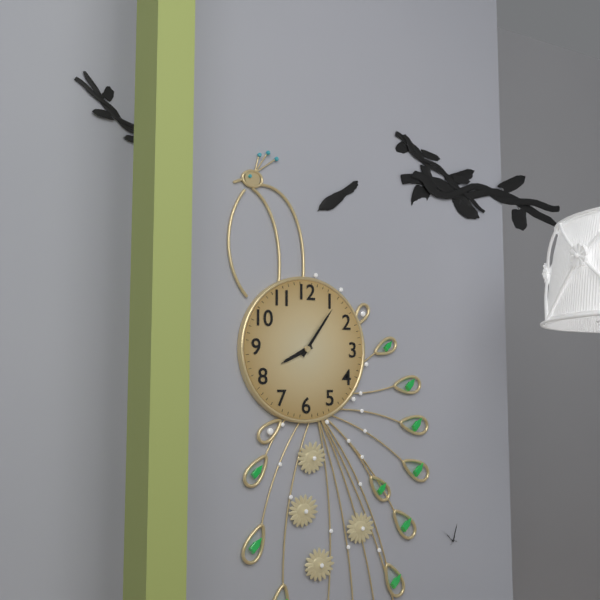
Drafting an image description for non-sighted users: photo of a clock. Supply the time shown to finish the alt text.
8:06
